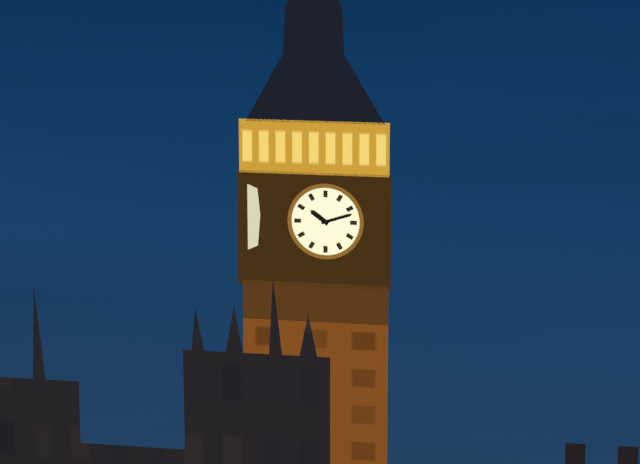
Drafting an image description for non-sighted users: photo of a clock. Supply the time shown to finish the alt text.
10:12
